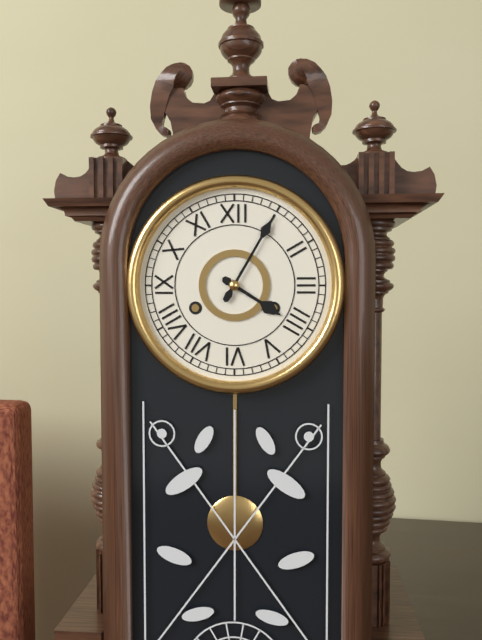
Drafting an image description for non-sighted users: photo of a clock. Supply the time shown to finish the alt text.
4:05
